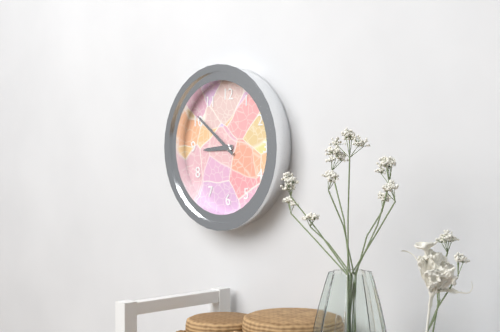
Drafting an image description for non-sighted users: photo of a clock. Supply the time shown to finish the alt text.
8:51
